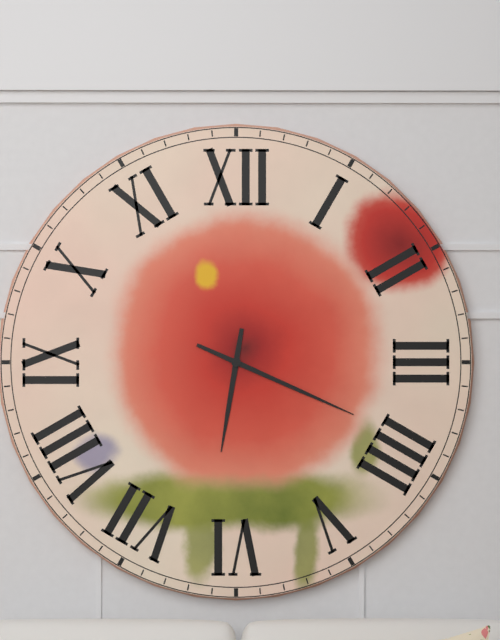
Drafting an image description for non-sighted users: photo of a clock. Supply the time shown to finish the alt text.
6:19
